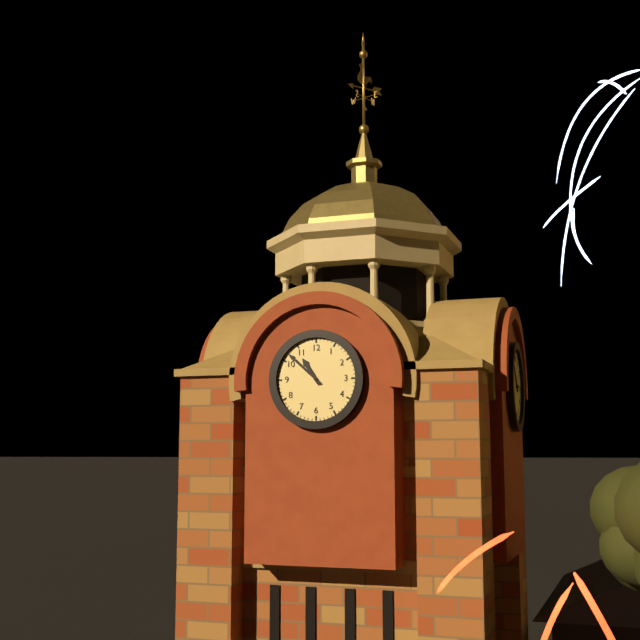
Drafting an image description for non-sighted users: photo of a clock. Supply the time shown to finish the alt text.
10:52
